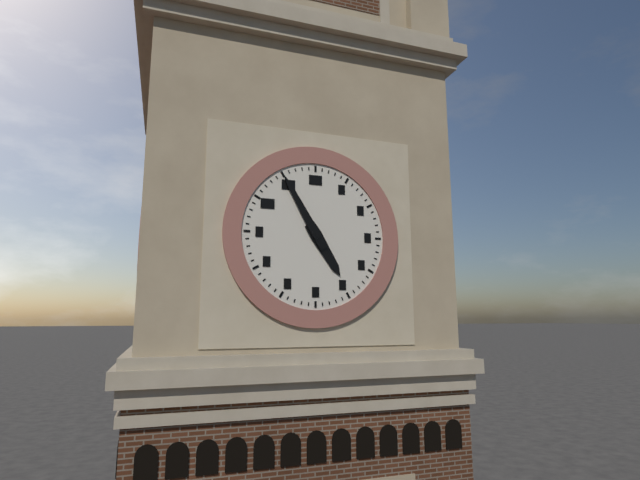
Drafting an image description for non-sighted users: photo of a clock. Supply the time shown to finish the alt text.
4:55
